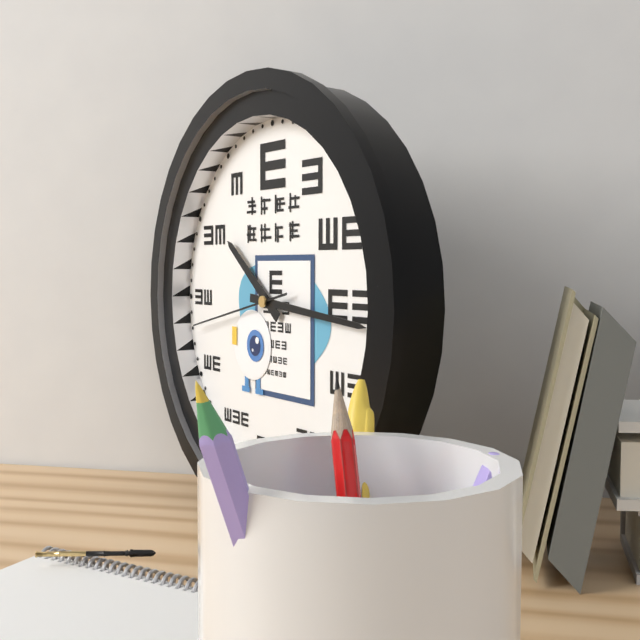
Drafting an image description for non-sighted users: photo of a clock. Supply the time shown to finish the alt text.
10:16:43
